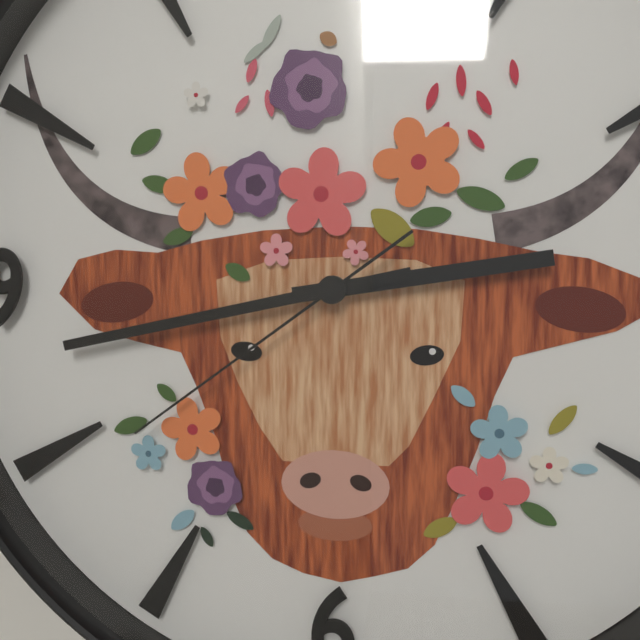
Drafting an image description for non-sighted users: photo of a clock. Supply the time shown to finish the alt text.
2:43:39
